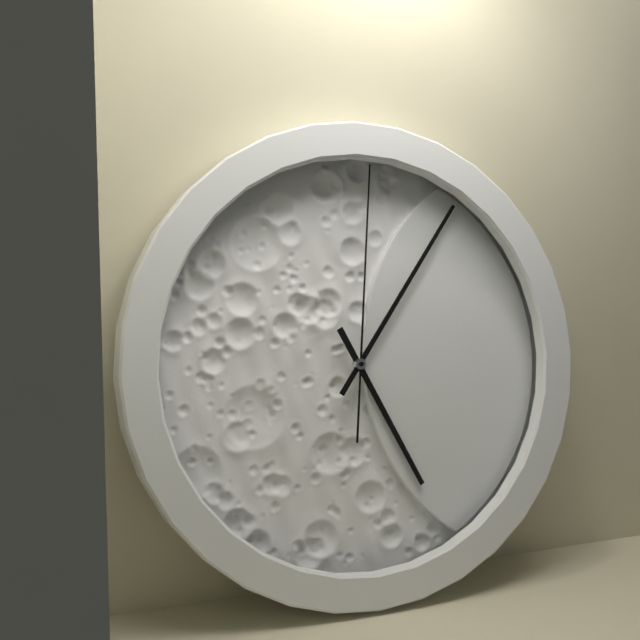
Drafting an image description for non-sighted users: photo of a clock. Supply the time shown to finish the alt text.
5:06:01
